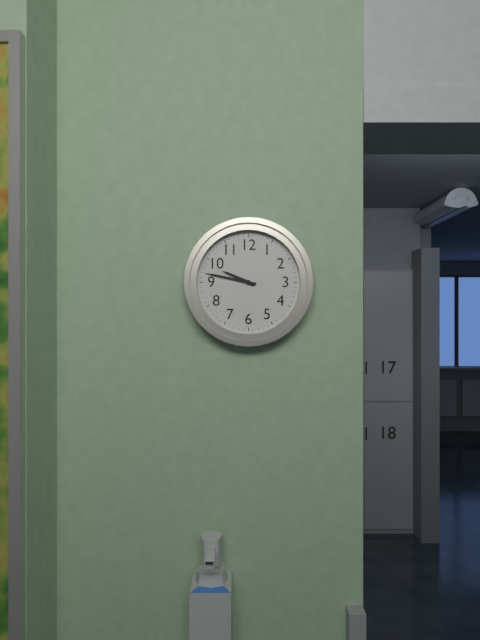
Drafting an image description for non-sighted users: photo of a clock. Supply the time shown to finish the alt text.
9:47
